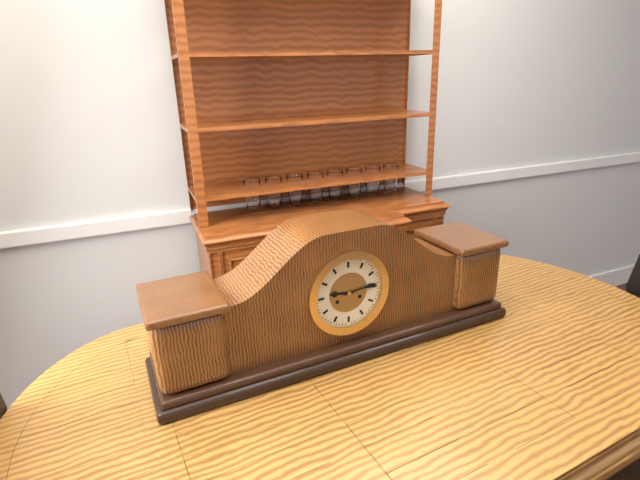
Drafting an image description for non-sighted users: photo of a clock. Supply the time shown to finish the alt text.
9:14
